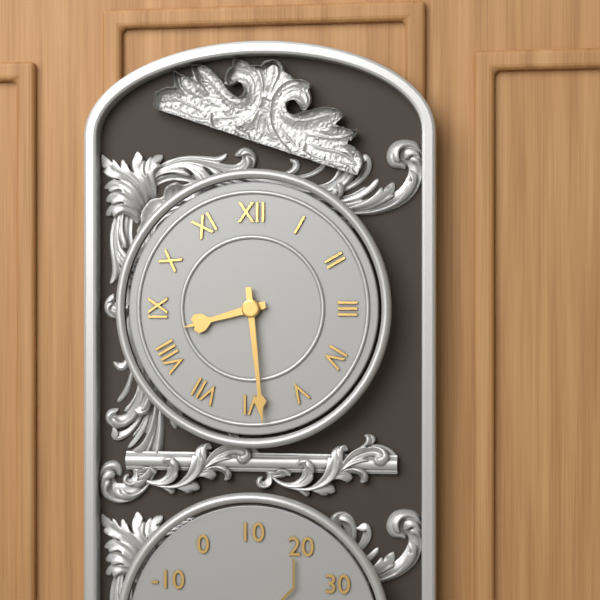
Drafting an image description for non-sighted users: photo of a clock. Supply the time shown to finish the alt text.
8:29
